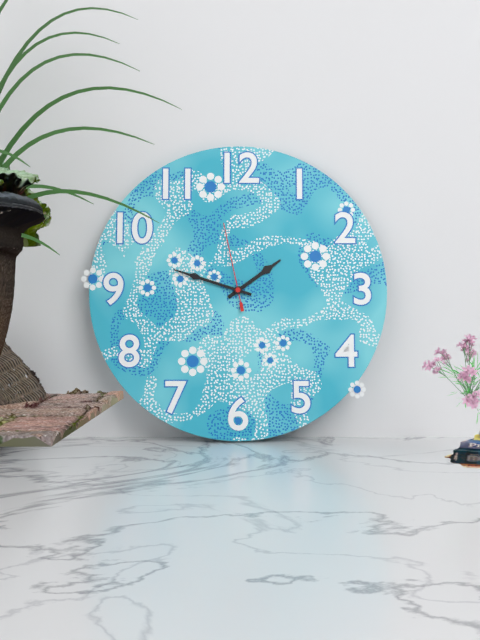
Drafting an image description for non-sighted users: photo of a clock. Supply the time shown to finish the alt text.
1:48:58
